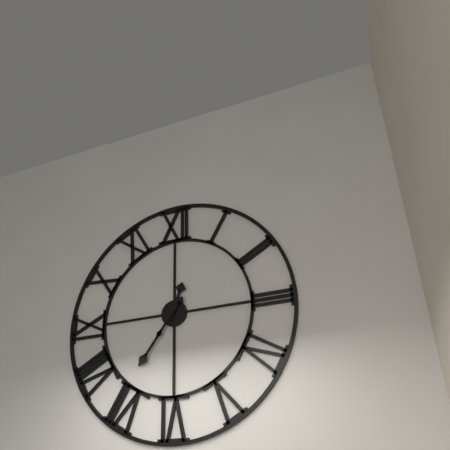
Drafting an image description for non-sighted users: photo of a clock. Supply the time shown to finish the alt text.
12:36
